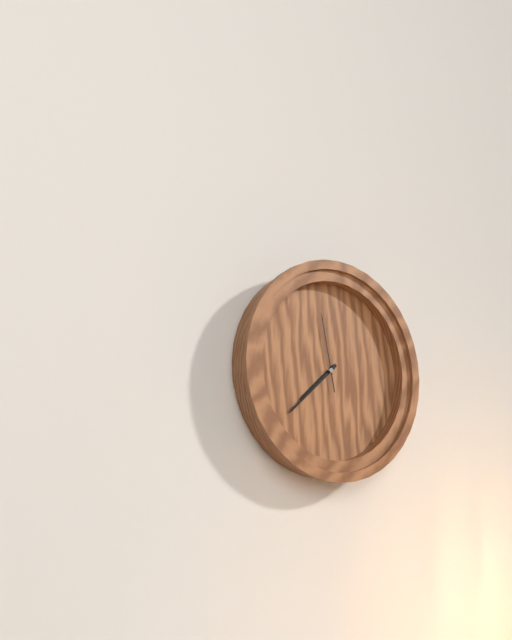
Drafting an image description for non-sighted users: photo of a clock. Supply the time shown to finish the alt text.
7:38:58
